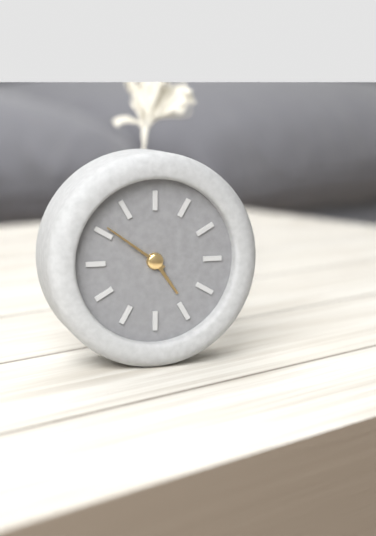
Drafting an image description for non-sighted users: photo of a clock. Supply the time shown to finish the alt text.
4:51
